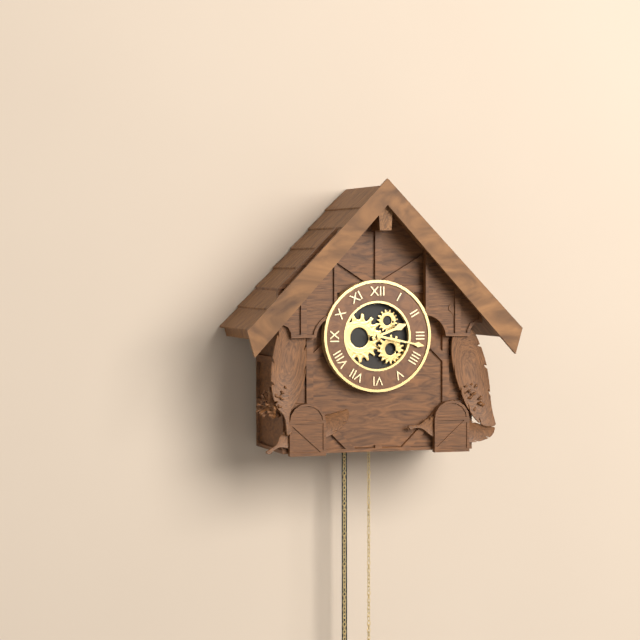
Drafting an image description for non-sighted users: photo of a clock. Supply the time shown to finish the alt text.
2:17
